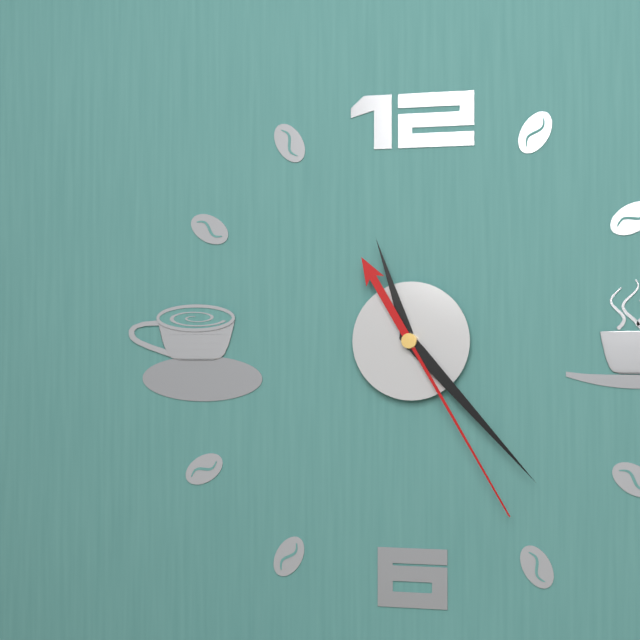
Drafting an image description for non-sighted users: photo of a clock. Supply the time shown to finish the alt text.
11:23:25
